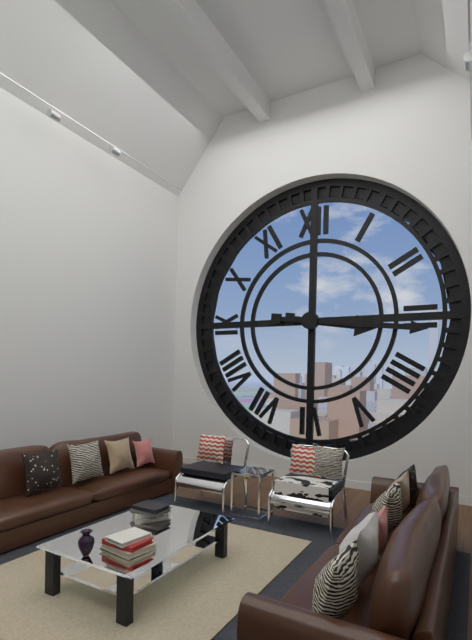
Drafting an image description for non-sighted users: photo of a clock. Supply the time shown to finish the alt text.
3:16
